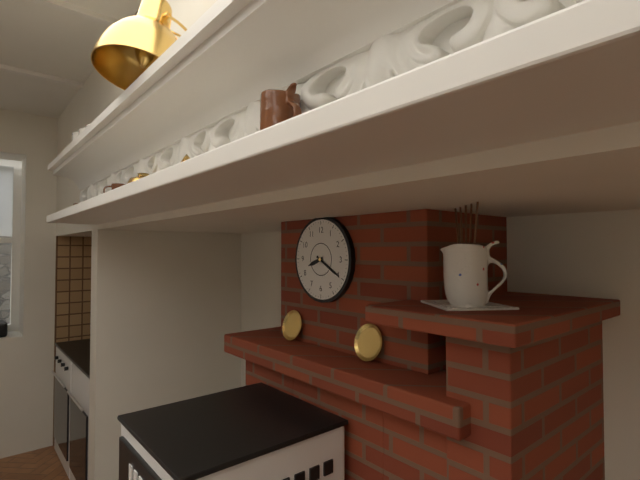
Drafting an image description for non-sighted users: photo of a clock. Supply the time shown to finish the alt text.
8:20
